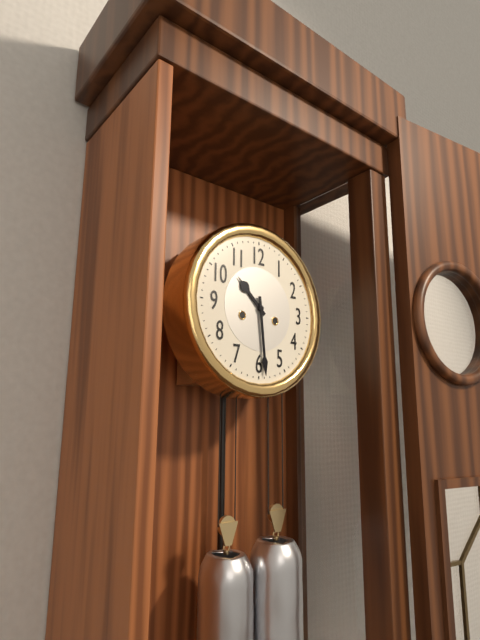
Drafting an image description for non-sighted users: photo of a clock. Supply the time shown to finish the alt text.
10:29
